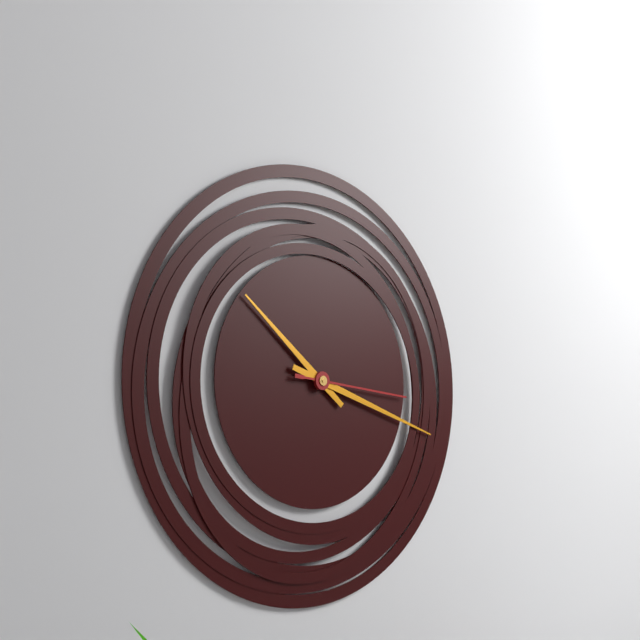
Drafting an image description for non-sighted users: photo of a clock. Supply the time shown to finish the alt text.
10:18:16
